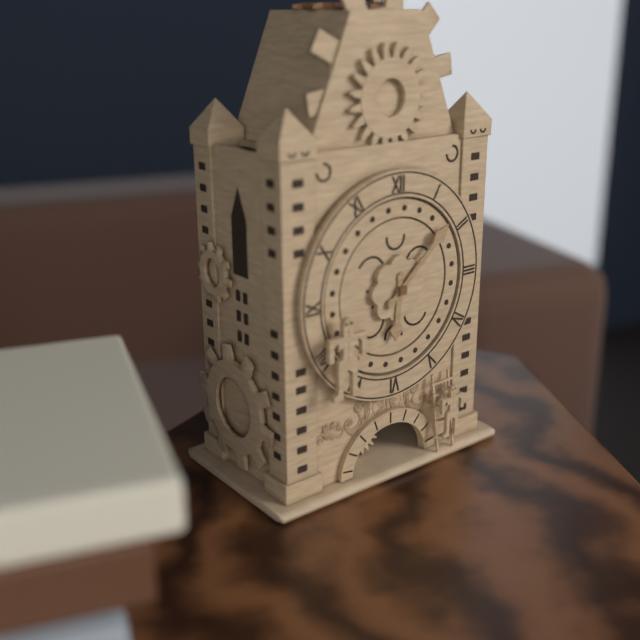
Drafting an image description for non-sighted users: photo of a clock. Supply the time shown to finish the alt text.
6:08
